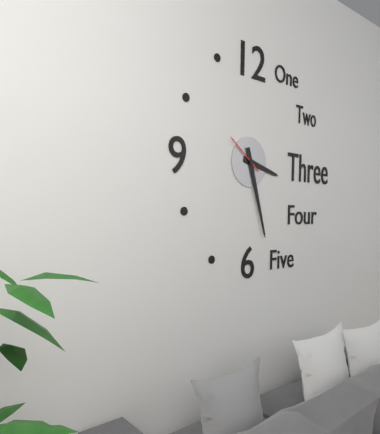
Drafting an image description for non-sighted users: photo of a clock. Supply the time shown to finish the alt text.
3:27
